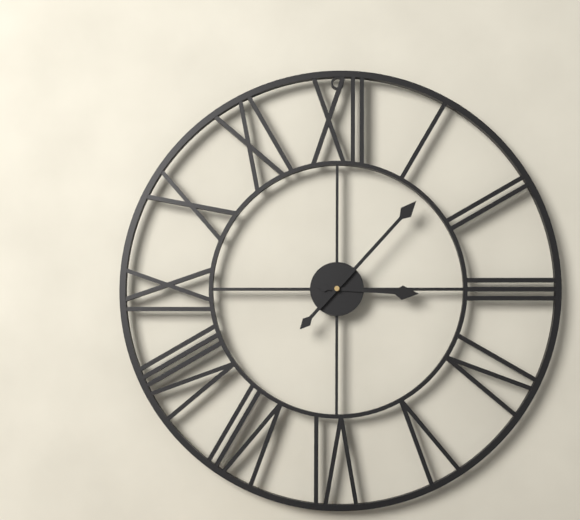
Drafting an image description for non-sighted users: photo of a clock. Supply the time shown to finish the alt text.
3:07
